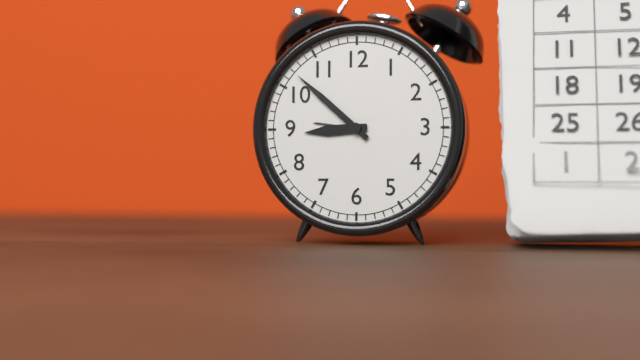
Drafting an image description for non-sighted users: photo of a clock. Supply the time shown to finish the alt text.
8:52
